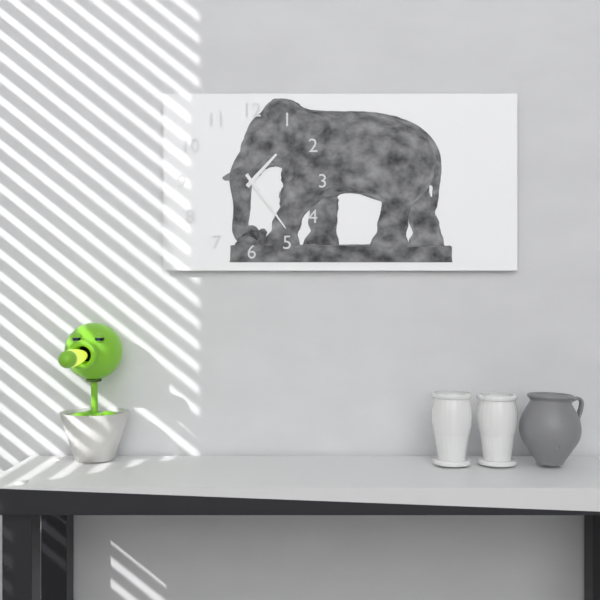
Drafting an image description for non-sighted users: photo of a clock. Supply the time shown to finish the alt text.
1:24
